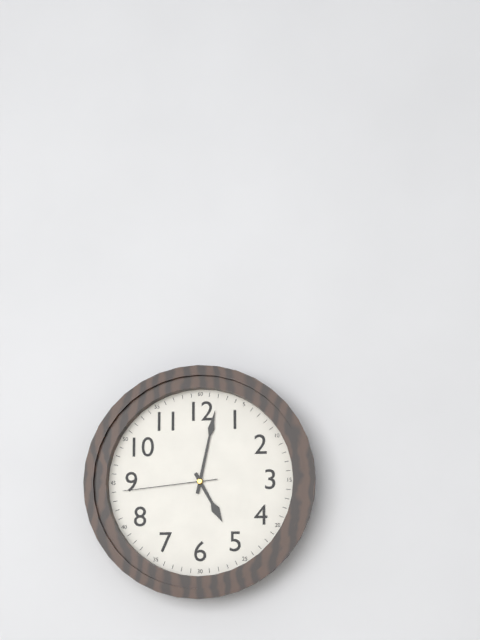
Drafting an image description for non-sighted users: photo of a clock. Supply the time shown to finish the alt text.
5:02:44
